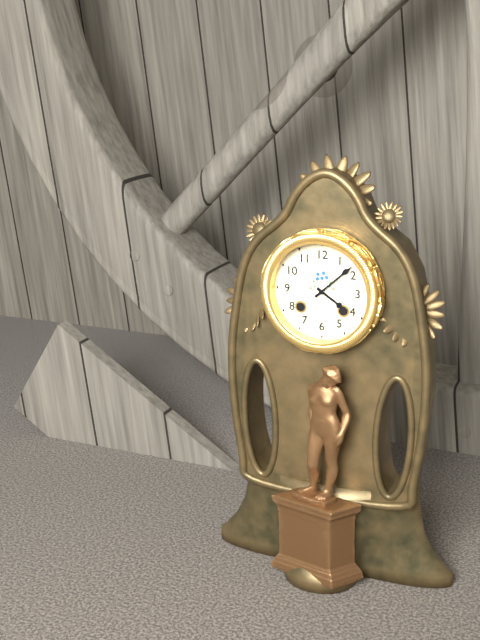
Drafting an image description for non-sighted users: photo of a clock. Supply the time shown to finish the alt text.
4:08
